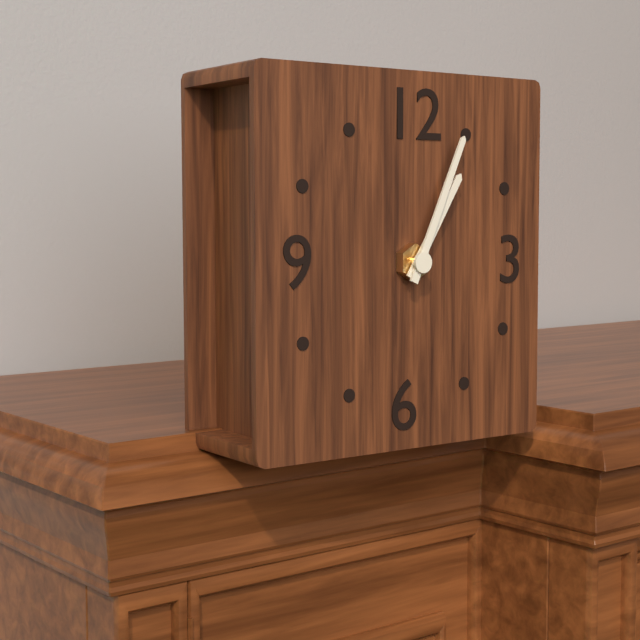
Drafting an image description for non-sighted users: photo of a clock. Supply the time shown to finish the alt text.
1:04
